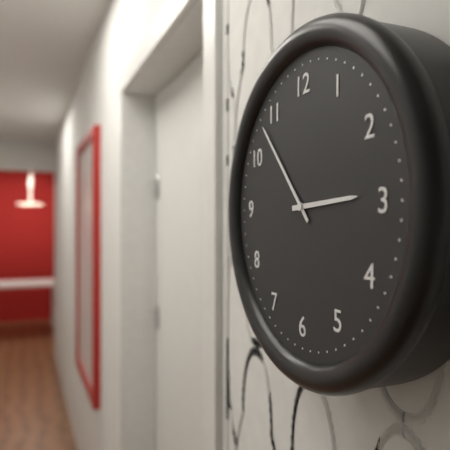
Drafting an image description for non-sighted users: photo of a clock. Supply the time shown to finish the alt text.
2:53
